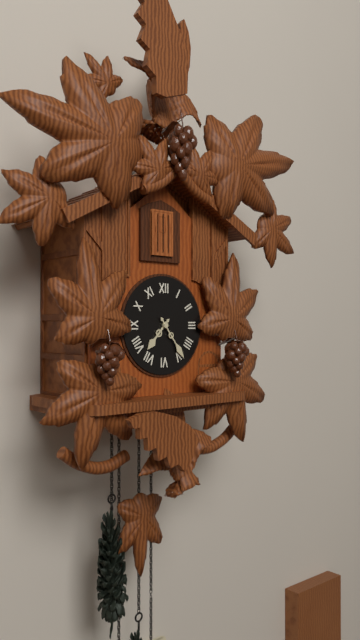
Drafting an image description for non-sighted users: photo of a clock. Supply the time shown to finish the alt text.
7:24
